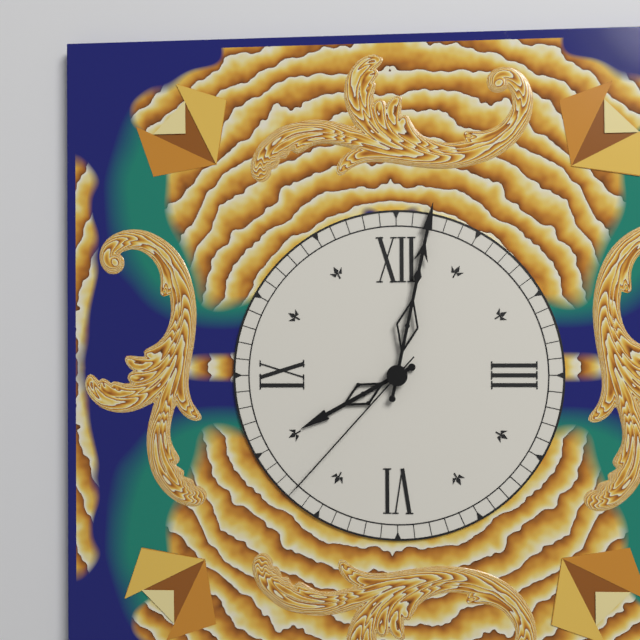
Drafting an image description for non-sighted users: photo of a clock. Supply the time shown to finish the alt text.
8:02:37
